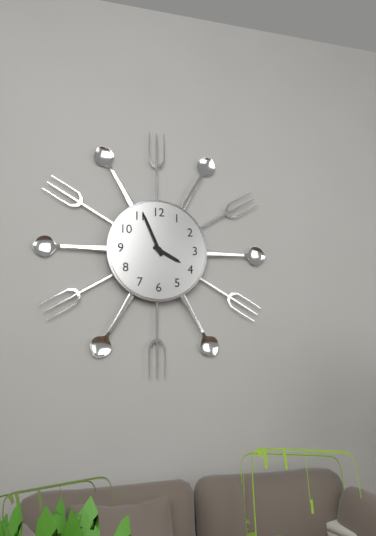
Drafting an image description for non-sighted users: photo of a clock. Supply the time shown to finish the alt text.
3:56
